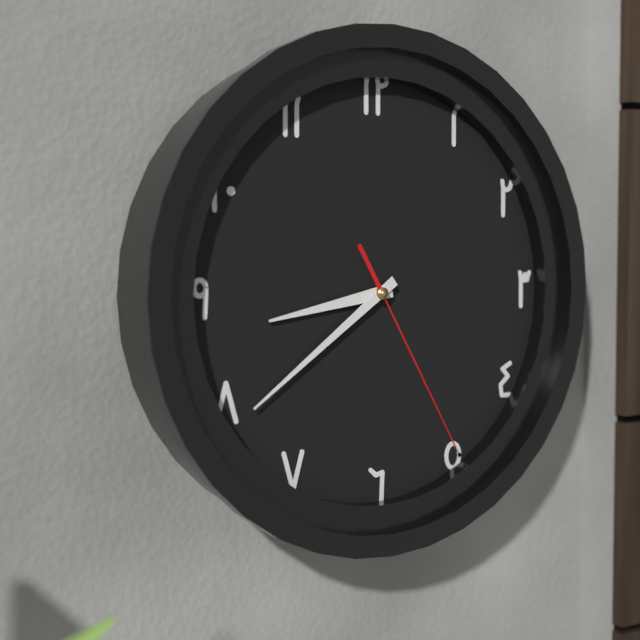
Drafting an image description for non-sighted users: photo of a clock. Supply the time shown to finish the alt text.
8:39:25
